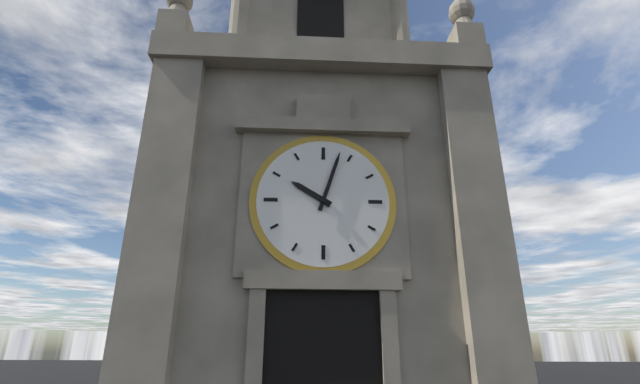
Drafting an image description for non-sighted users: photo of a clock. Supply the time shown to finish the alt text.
10:03
